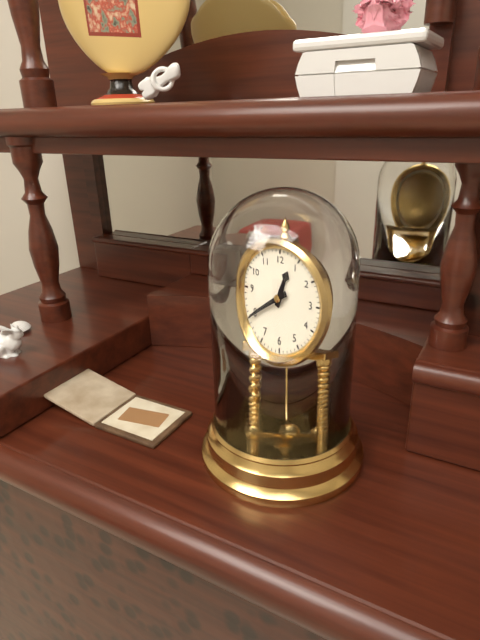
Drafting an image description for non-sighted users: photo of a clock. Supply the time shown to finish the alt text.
12:40
